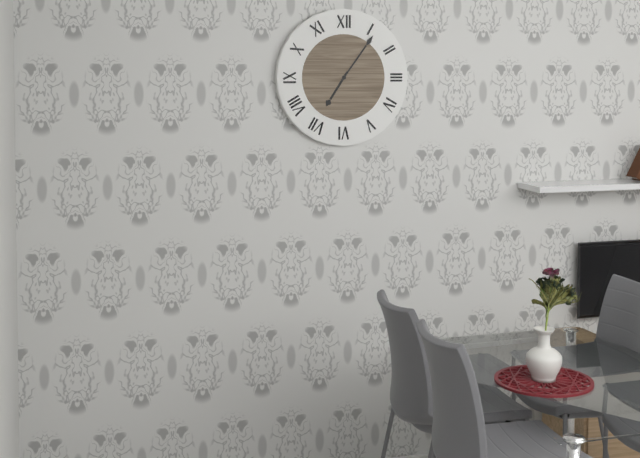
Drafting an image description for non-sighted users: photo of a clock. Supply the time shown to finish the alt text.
7:06
